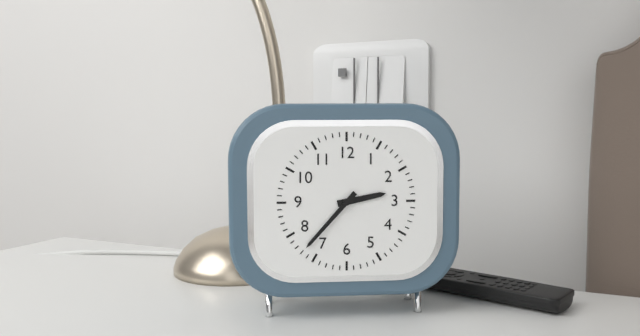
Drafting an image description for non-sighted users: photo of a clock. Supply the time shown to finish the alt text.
2:37
